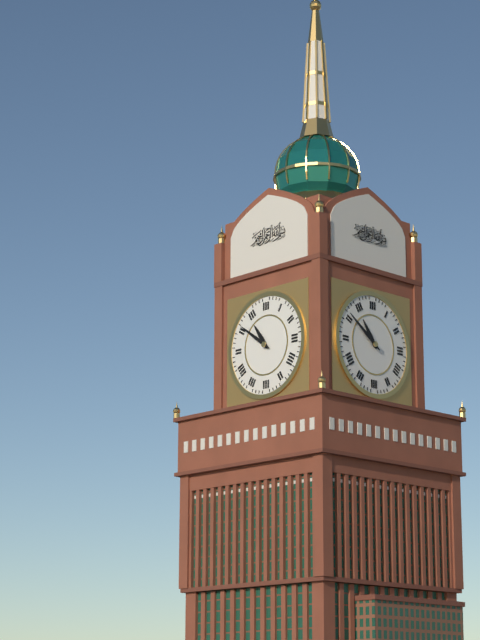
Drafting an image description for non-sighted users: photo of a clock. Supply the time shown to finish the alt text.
10:51
